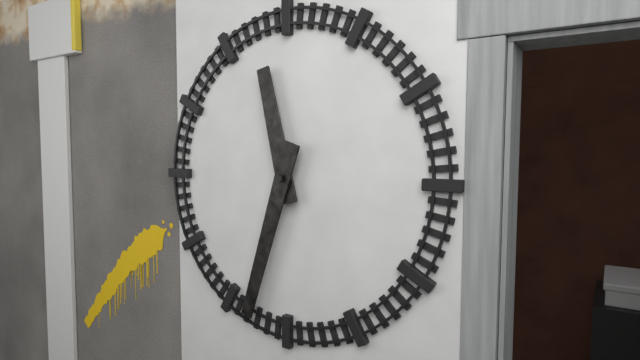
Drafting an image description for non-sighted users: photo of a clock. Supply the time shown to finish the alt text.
11:33
